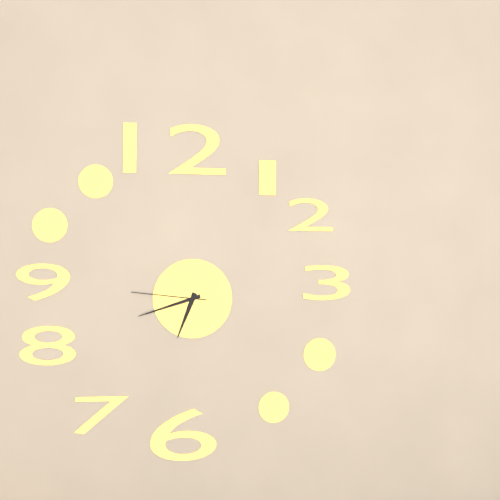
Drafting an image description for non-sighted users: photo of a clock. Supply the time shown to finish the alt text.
6:42:46
